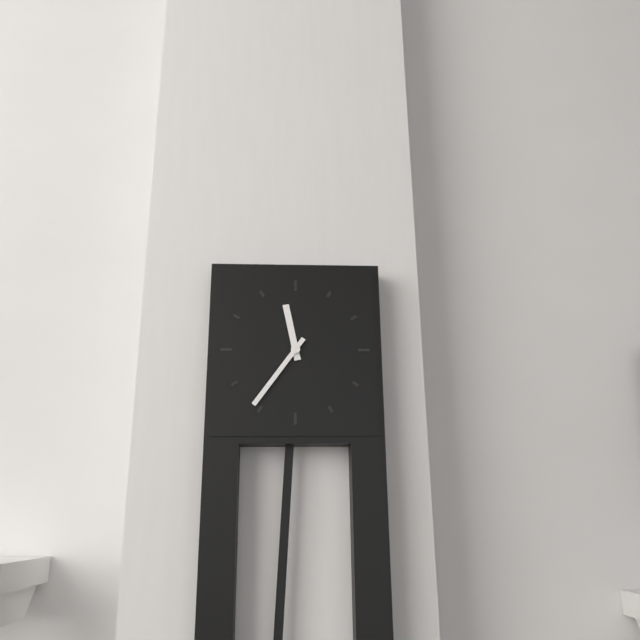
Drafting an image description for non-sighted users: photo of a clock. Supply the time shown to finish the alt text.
11:36
